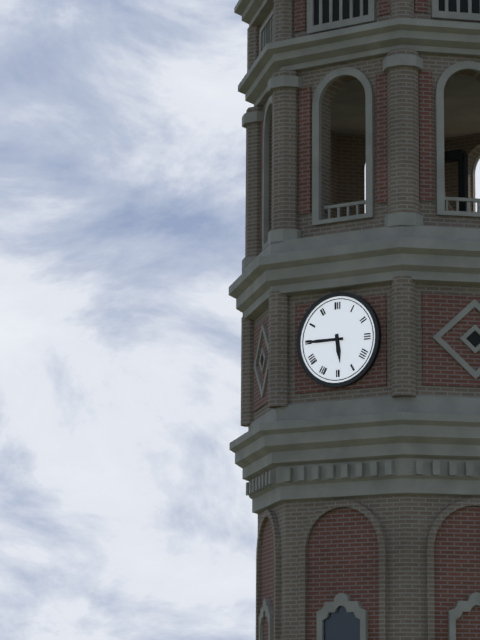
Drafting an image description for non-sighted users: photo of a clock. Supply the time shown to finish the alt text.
5:45
